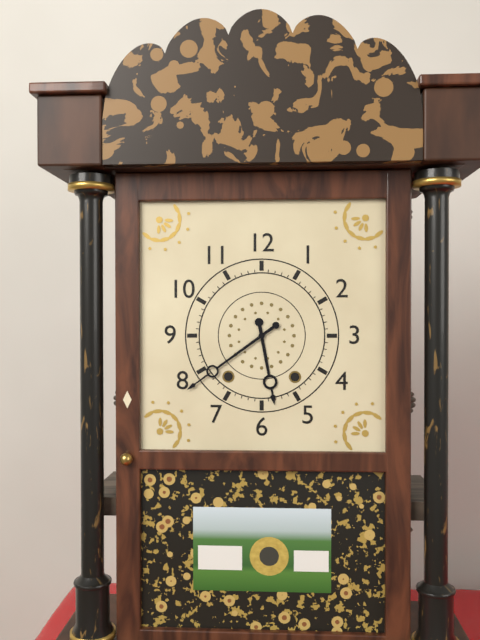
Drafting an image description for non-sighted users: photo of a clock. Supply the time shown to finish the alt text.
5:39
